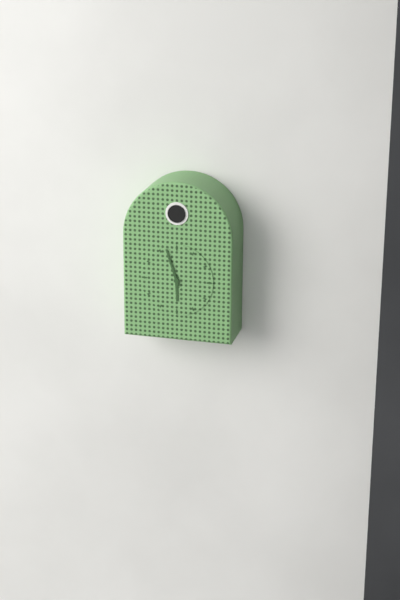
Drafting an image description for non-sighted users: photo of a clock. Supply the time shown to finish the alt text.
5:57
